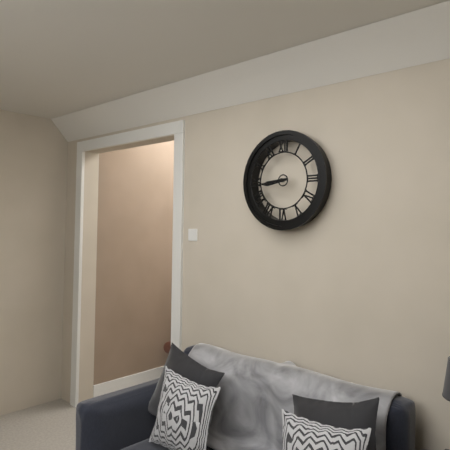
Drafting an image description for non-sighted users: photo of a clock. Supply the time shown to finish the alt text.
8:44
